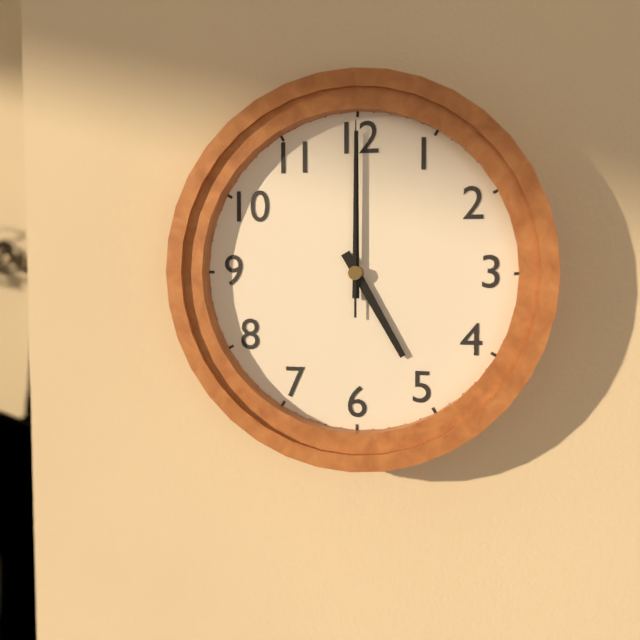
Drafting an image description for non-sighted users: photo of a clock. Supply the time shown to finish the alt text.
5:00:00
